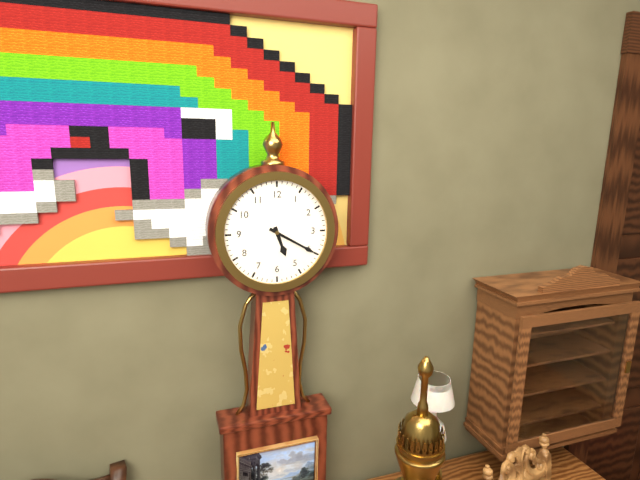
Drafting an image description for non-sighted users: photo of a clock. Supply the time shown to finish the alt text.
5:20
